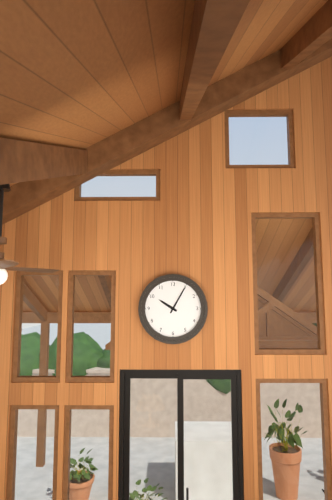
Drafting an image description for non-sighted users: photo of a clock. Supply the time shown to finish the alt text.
10:05
